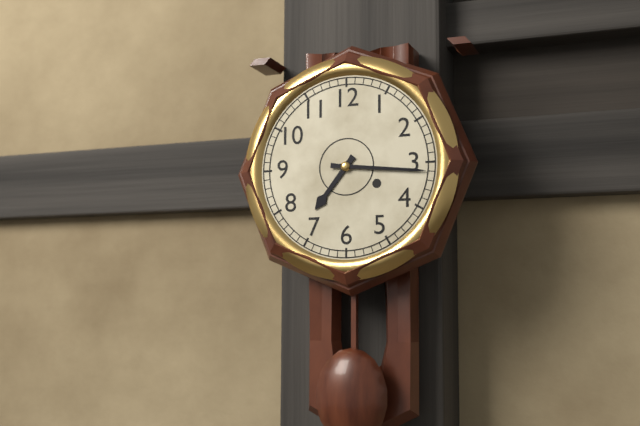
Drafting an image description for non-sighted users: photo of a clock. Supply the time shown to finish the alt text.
7:16
